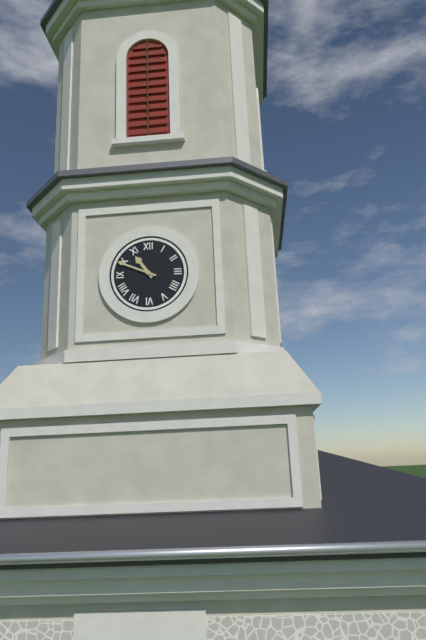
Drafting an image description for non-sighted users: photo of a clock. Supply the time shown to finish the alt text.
10:49
